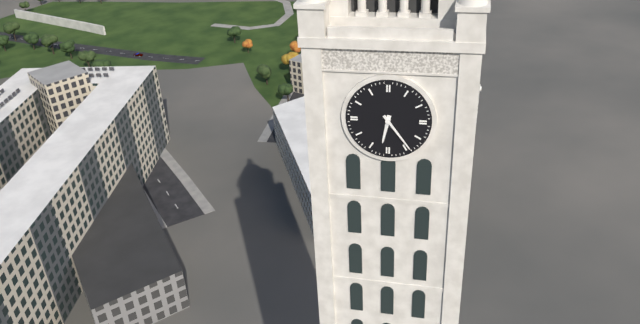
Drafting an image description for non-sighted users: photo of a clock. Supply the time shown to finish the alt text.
6:24
